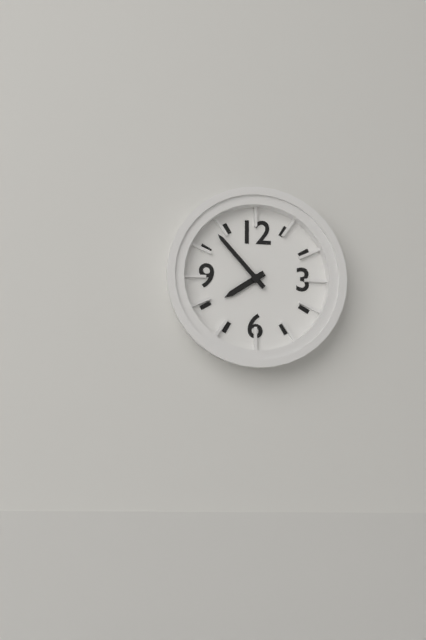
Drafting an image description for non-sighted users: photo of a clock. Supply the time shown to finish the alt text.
7:53
